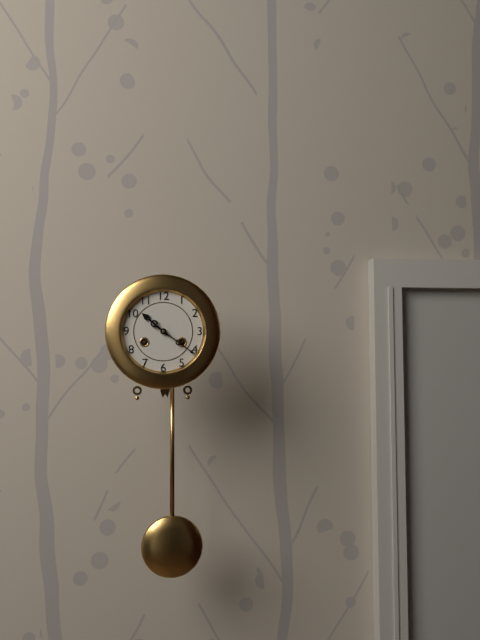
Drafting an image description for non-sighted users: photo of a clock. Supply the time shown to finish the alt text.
10:21
